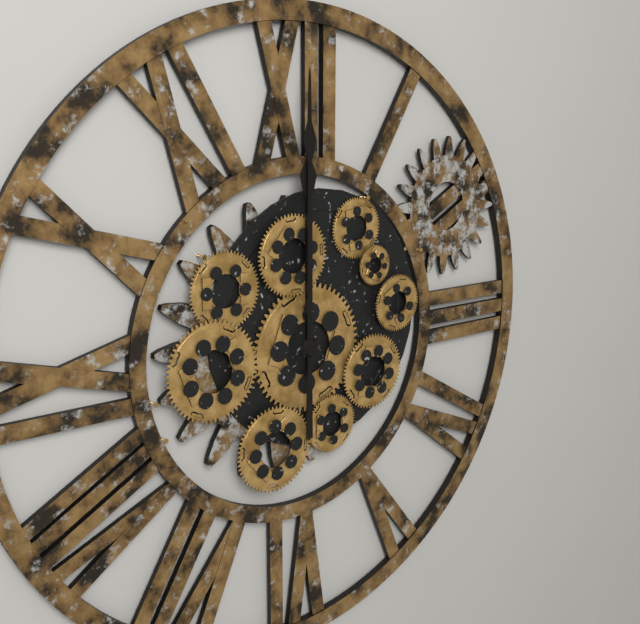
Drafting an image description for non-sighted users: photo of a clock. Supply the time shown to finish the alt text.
12:00
